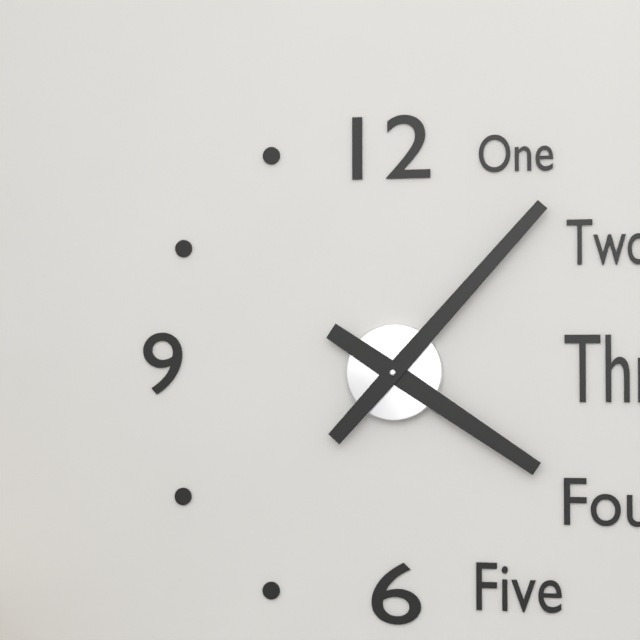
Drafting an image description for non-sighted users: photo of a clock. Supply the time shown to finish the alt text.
4:07
